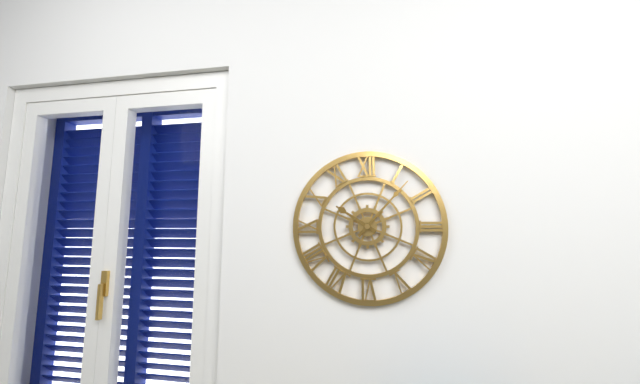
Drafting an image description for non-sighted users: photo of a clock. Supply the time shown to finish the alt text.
10:07
